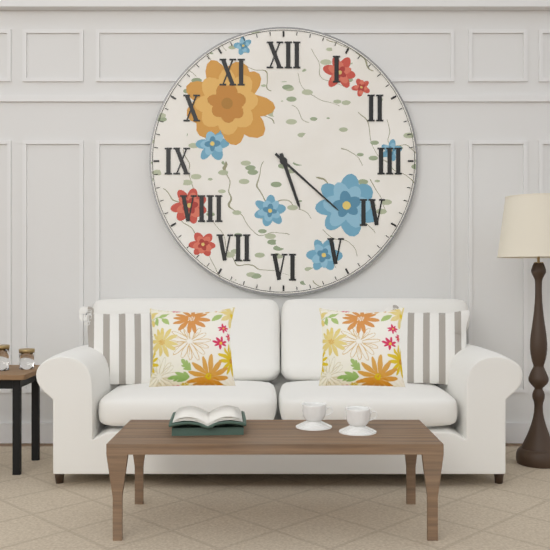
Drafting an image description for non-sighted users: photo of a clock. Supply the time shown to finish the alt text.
5:22
